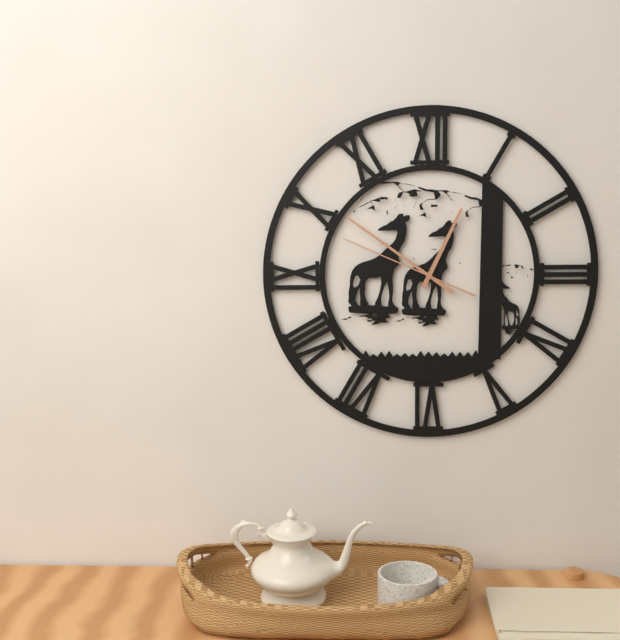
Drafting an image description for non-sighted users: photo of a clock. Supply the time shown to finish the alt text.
12:51:49
